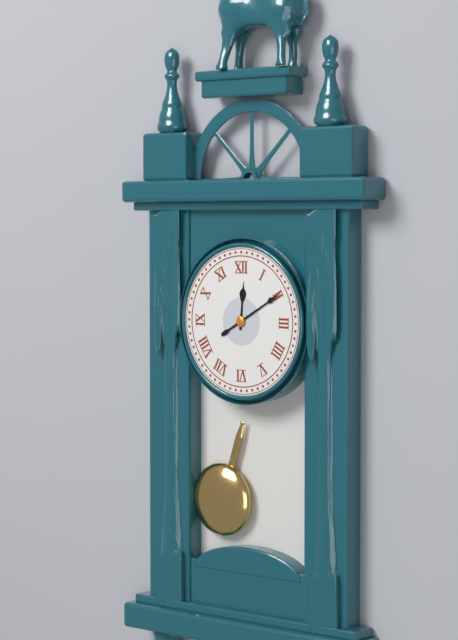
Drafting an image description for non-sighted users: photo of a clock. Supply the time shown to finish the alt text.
12:10
